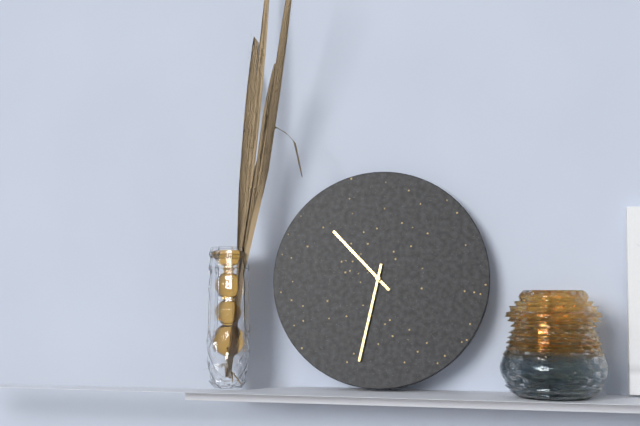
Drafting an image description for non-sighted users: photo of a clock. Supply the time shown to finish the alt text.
10:32
